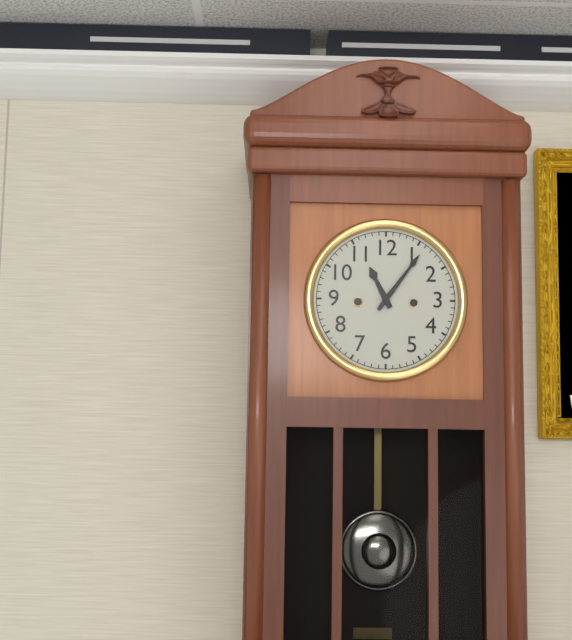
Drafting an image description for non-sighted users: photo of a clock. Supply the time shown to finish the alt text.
11:06
